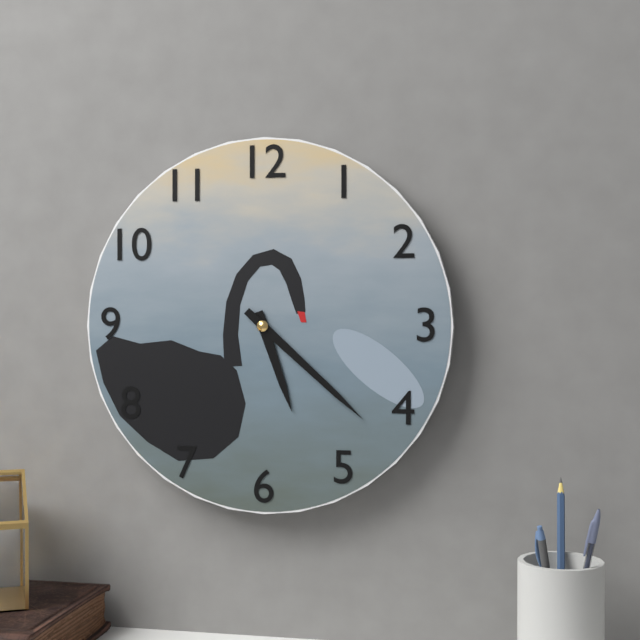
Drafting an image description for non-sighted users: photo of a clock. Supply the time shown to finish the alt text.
5:22
